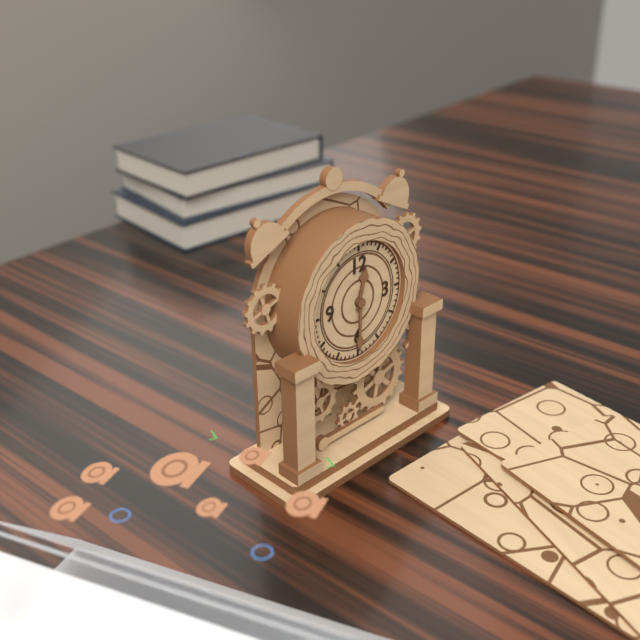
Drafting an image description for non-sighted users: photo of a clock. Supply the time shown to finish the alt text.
12:30
